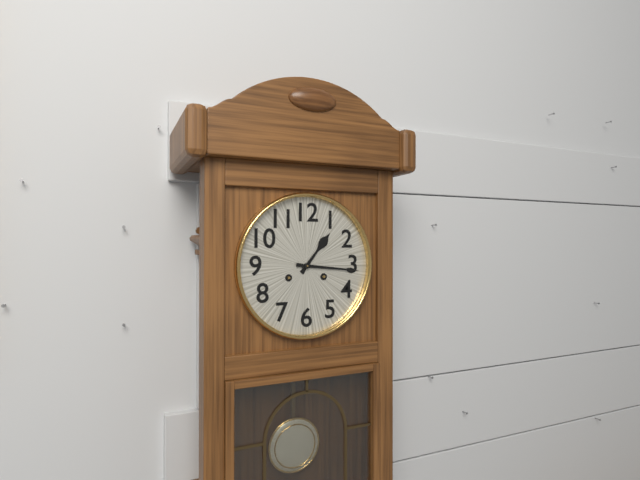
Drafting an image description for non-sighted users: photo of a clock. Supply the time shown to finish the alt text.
1:16
